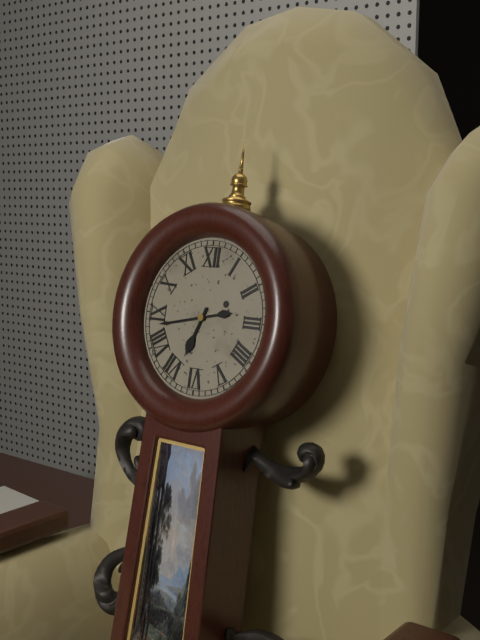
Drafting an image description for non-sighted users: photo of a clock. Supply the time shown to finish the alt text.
6:43
